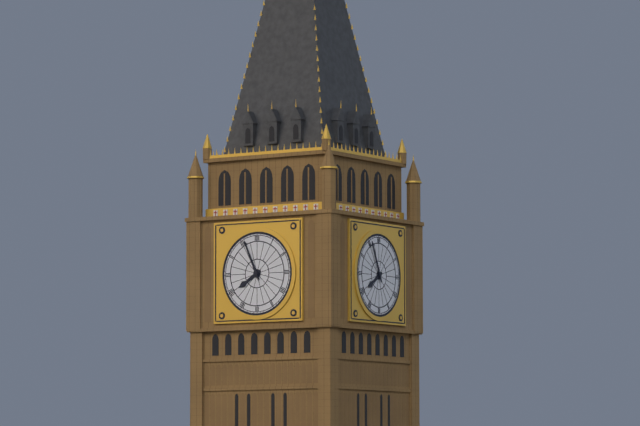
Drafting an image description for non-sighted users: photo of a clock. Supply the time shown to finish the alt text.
7:56
